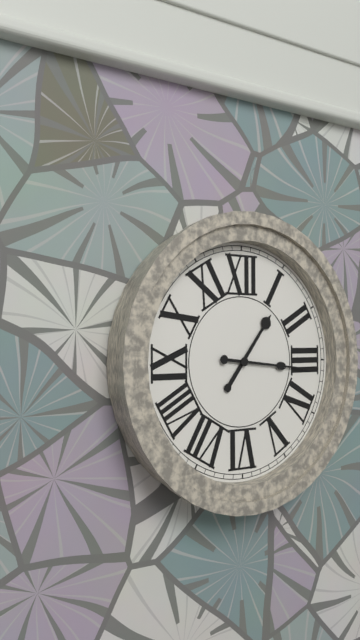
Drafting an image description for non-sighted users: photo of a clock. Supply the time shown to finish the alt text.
1:16
